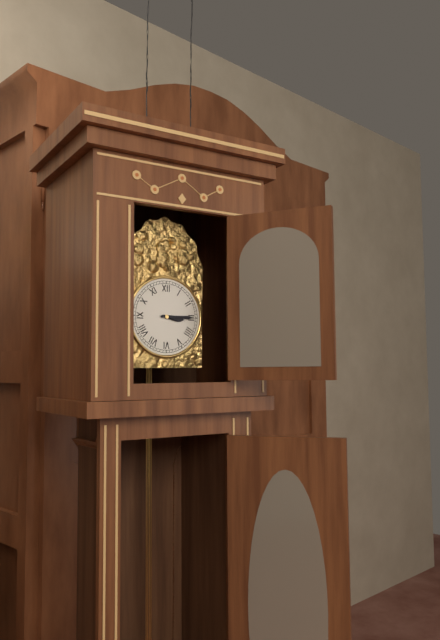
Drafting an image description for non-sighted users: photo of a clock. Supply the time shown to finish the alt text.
3:15
